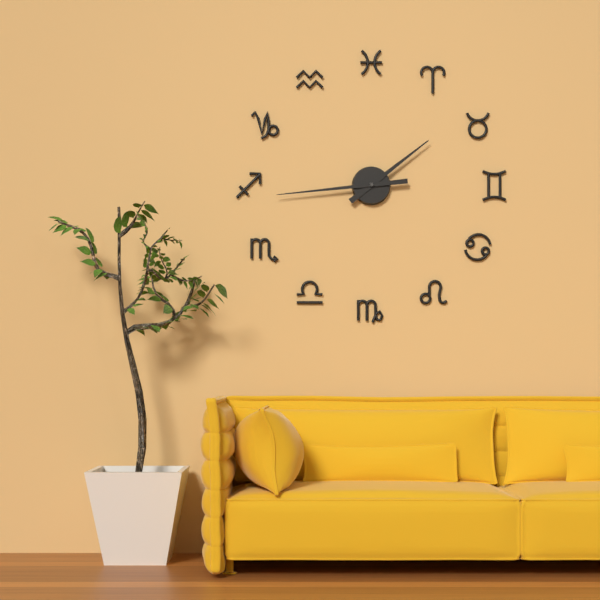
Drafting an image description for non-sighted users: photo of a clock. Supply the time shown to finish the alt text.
1:44
